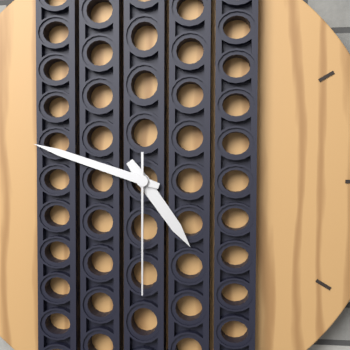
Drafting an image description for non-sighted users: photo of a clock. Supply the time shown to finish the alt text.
4:48:30
